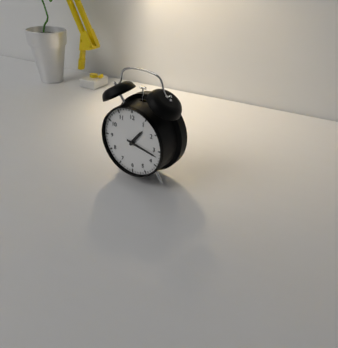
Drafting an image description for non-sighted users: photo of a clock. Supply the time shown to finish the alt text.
1:17
